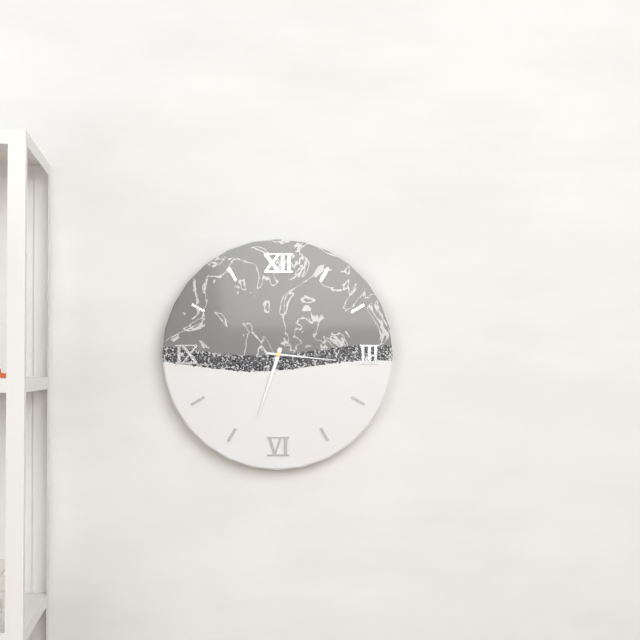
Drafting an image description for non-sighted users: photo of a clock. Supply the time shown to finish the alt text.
6:33:16
